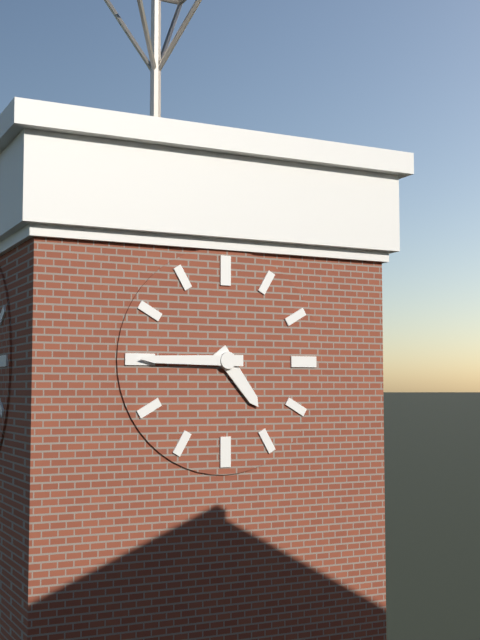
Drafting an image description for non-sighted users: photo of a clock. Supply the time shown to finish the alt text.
4:45
